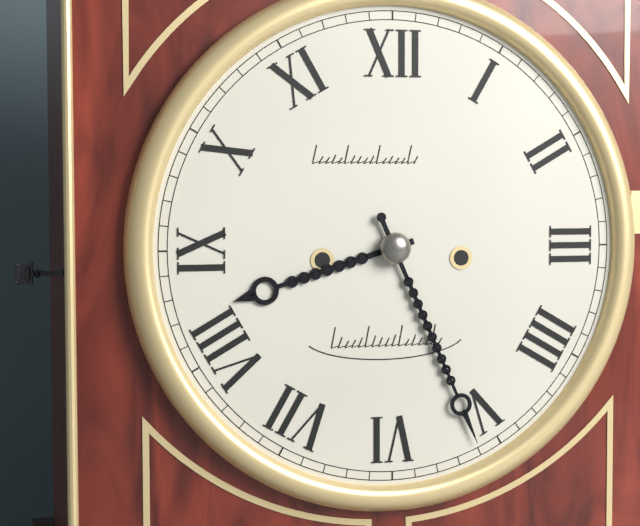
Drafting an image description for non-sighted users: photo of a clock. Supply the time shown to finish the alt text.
8:26
